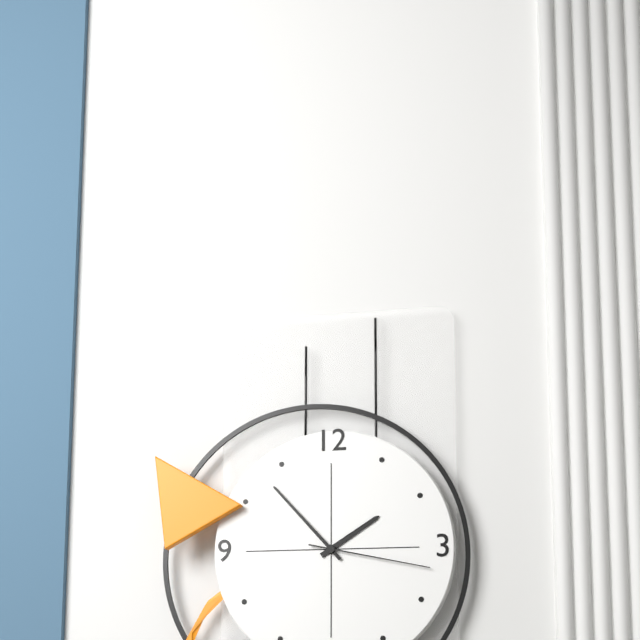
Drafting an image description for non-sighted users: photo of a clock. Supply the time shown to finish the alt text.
1:53:17
